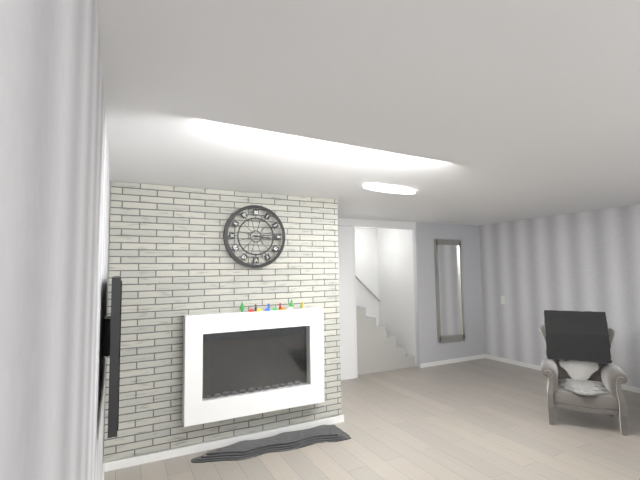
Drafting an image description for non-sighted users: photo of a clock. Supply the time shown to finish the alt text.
3:14
